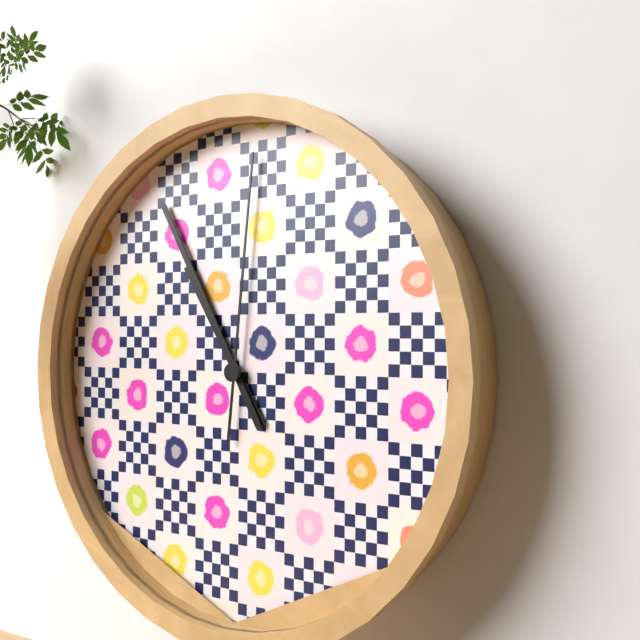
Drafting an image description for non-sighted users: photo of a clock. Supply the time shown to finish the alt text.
10:55:01
